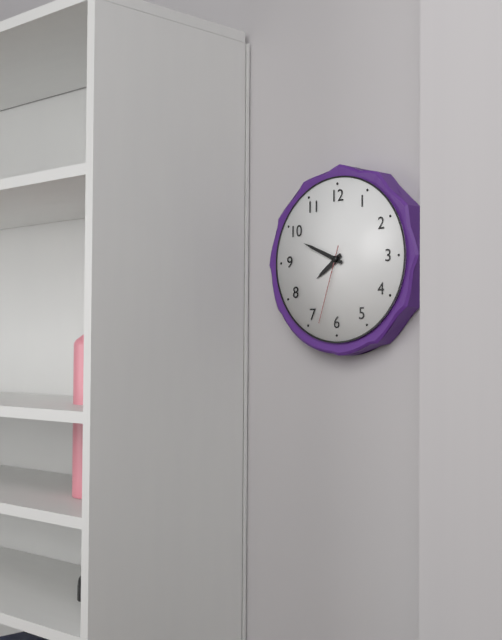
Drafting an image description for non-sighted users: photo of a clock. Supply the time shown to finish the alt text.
7:49:33
